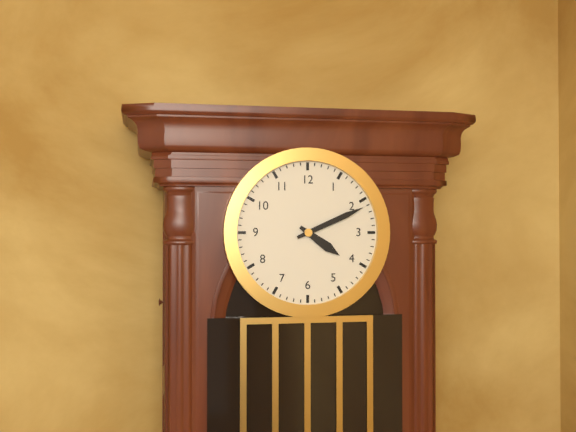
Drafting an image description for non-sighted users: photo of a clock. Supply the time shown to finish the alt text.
4:11
